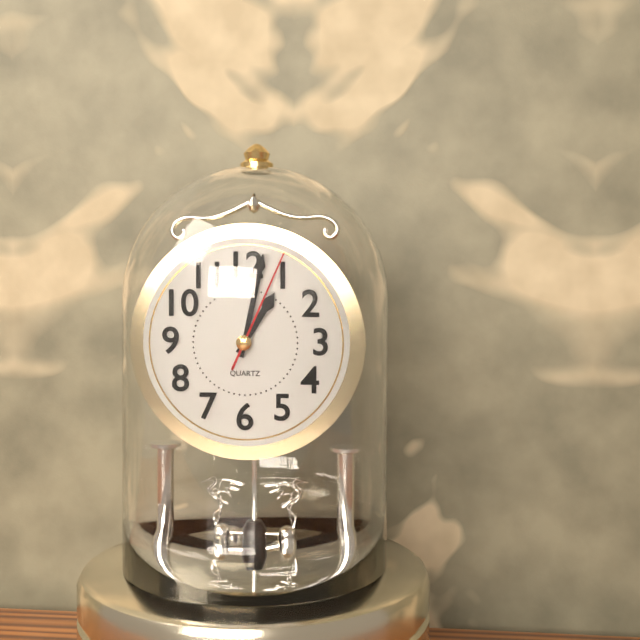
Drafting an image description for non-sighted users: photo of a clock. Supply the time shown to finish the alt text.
1:02:04
